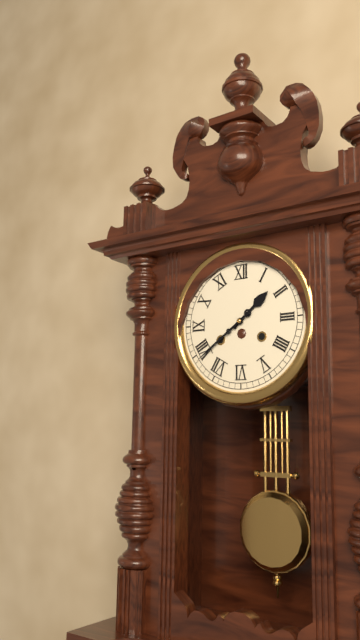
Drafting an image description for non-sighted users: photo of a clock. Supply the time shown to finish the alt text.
1:39
